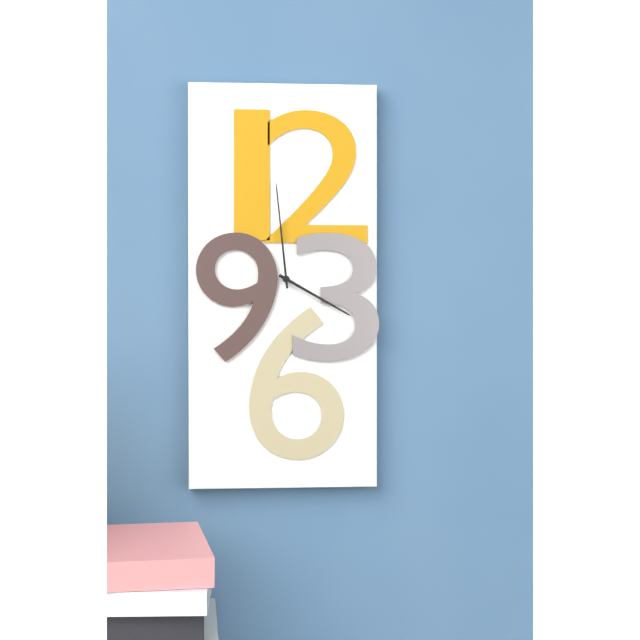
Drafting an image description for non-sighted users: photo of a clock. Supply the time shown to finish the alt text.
3:59
